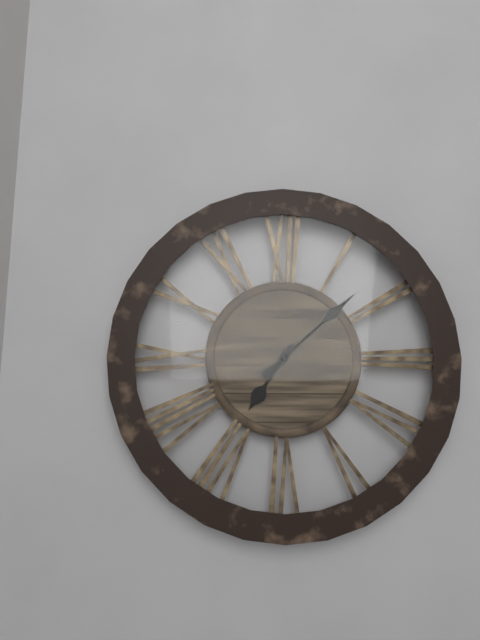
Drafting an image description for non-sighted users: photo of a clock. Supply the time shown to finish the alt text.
7:08
